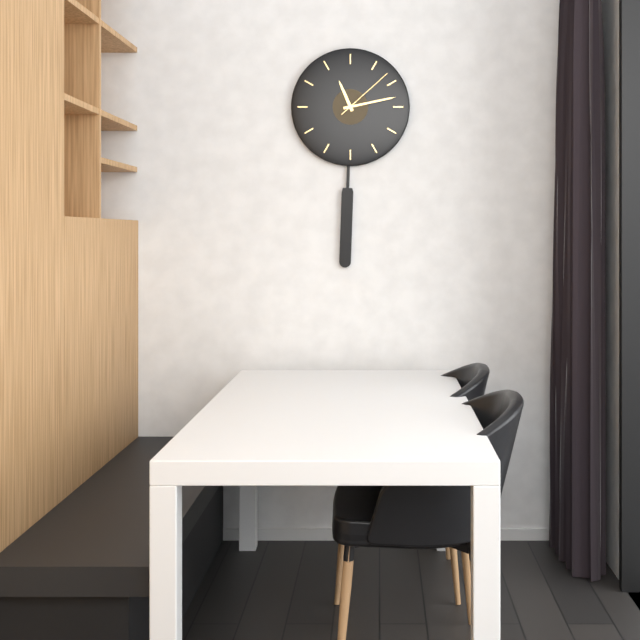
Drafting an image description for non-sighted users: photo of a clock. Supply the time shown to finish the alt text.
11:13:08
